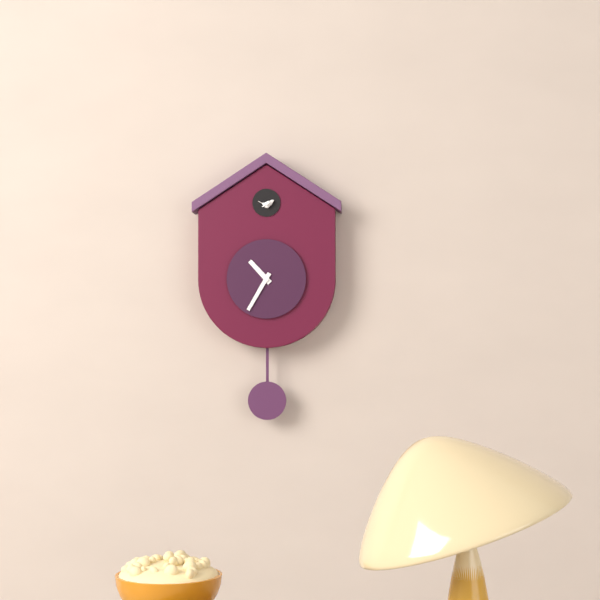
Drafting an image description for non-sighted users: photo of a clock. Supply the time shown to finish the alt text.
10:35
